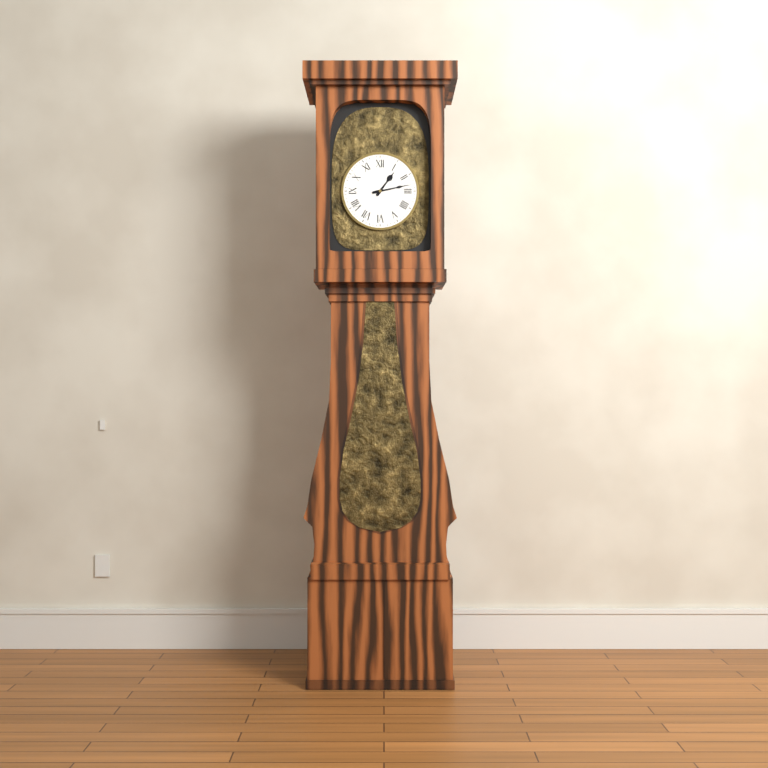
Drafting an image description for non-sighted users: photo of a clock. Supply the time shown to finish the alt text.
1:13
